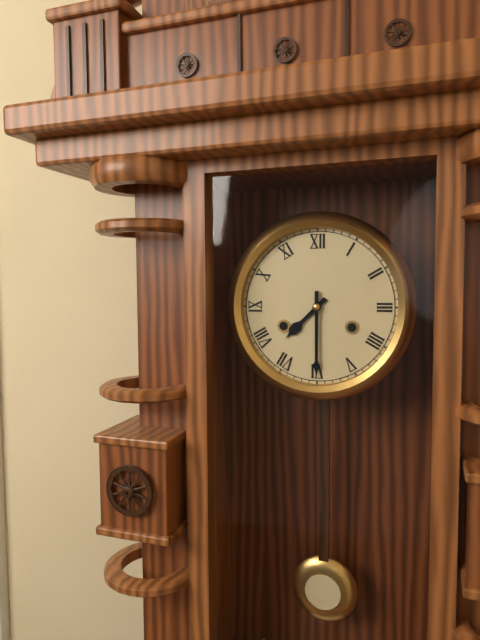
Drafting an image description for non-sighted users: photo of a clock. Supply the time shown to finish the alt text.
7:30
